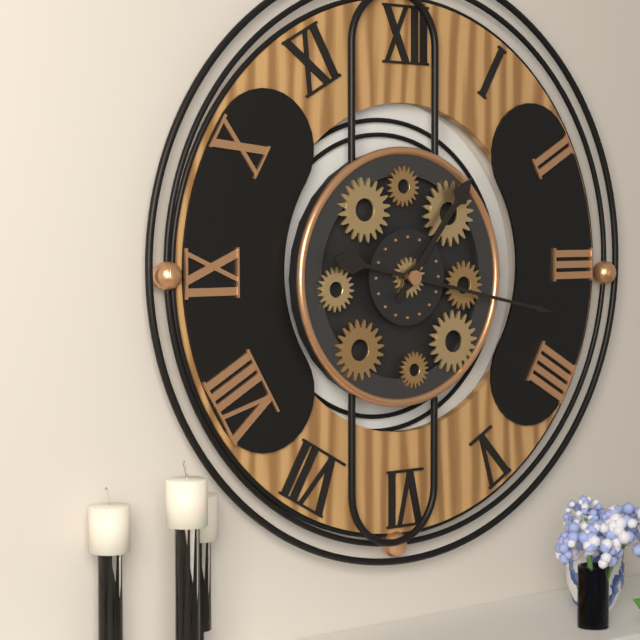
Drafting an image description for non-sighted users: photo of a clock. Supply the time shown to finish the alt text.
1:17
